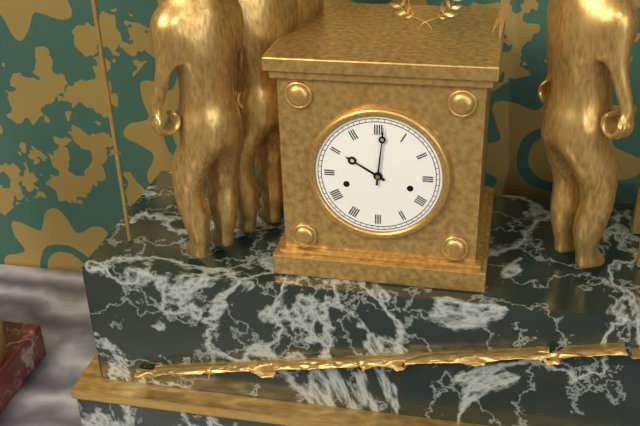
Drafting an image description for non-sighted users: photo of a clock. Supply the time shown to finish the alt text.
10:01
